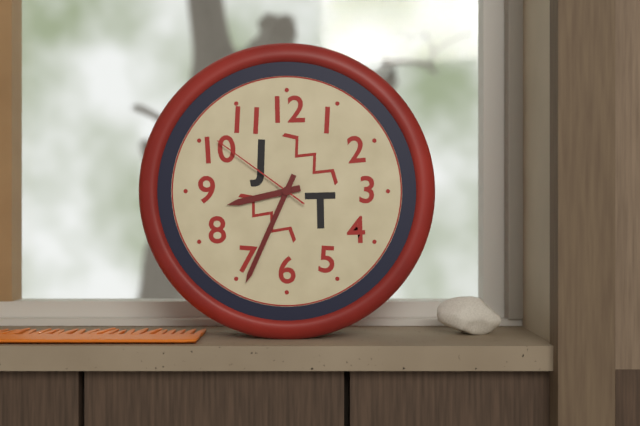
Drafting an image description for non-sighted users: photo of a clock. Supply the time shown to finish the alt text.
8:34:51
